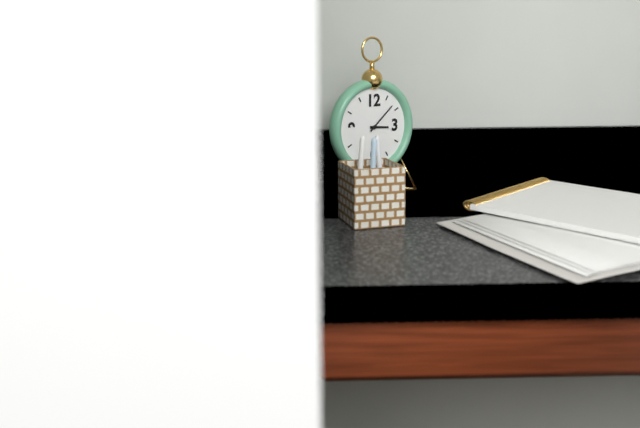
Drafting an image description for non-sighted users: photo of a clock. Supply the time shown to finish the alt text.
3:08
